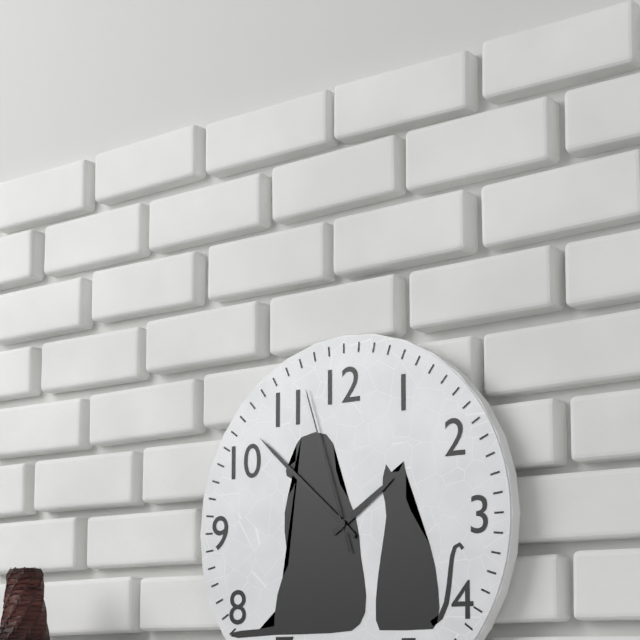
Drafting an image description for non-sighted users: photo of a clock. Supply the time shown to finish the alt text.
1:52:57
